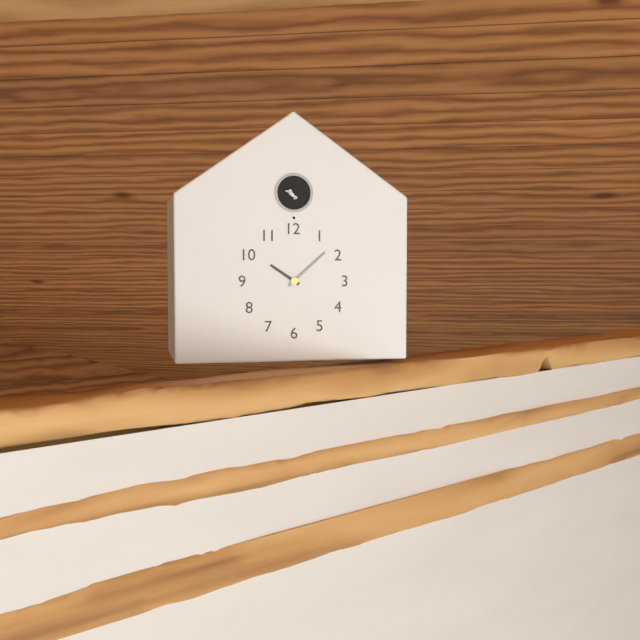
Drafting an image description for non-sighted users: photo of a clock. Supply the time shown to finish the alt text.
10:08
